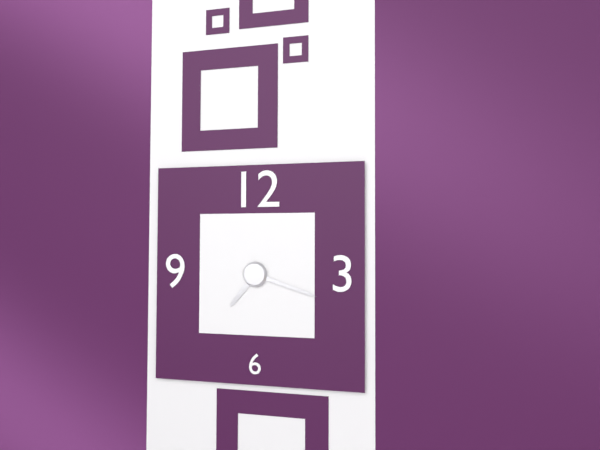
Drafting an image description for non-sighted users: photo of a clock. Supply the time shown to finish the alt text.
7:18
